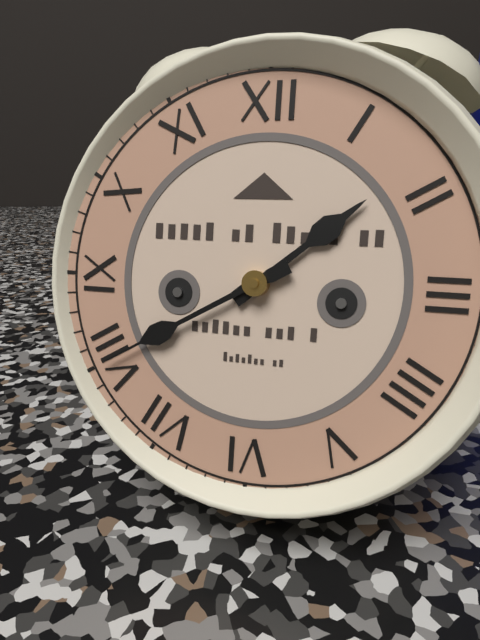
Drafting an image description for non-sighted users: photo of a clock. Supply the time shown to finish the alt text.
1:40
